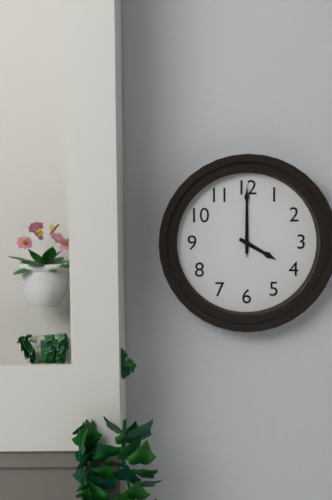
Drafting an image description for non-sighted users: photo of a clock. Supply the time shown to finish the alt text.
4:00:00
